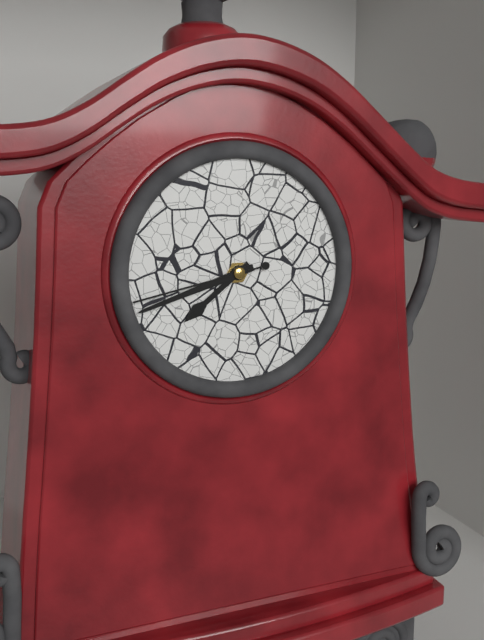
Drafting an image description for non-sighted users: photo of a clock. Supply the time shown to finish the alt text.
7:42:43
